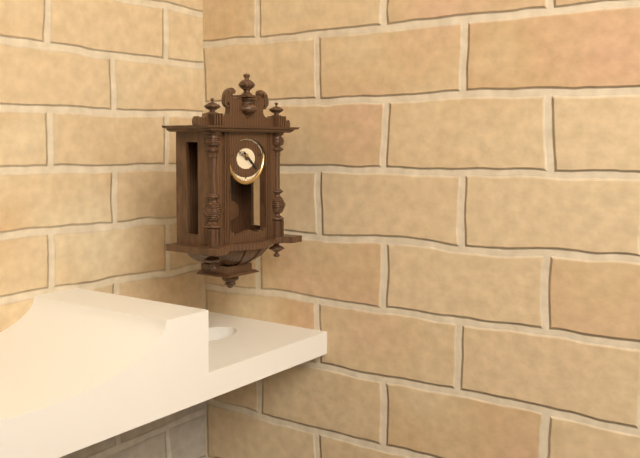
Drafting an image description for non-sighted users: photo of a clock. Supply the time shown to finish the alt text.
4:22
